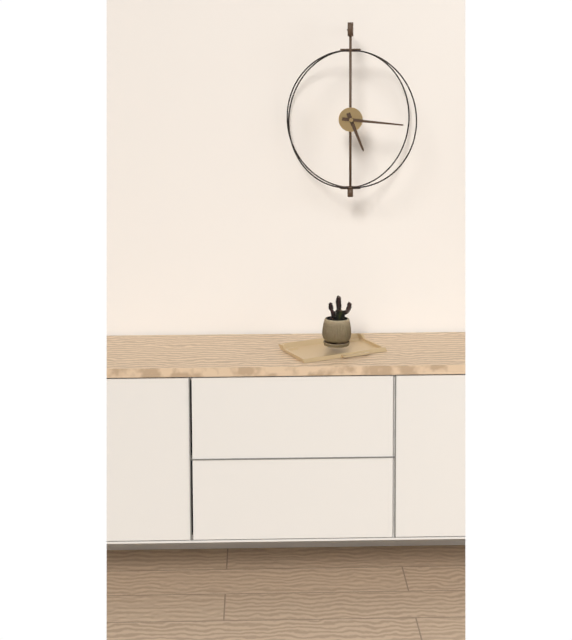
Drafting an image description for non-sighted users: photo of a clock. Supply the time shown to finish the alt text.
5:16
